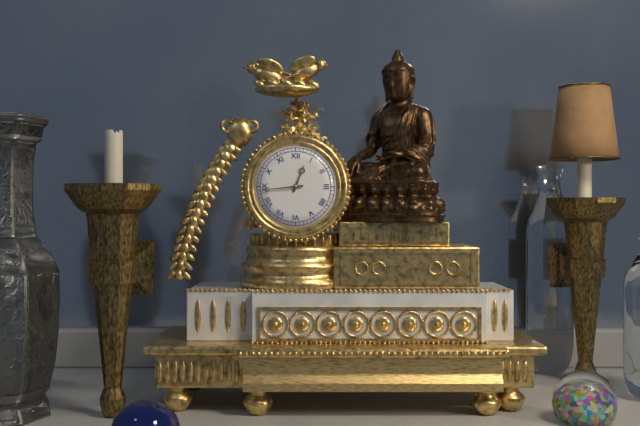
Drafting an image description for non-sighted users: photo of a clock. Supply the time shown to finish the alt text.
12:44
